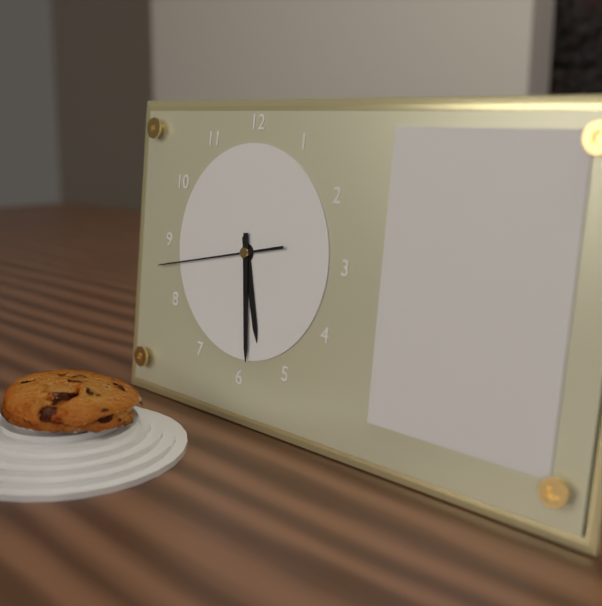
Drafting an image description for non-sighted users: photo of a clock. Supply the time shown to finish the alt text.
5:29:43
